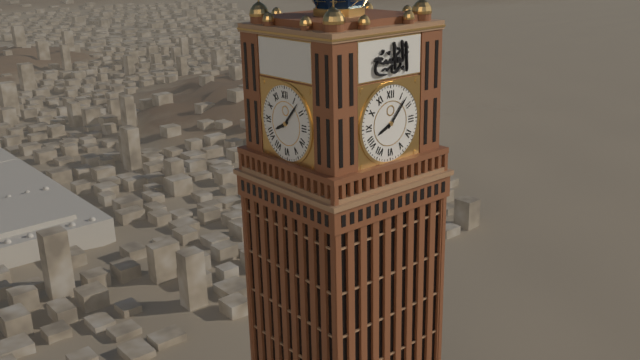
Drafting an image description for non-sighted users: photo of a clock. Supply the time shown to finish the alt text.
8:07
